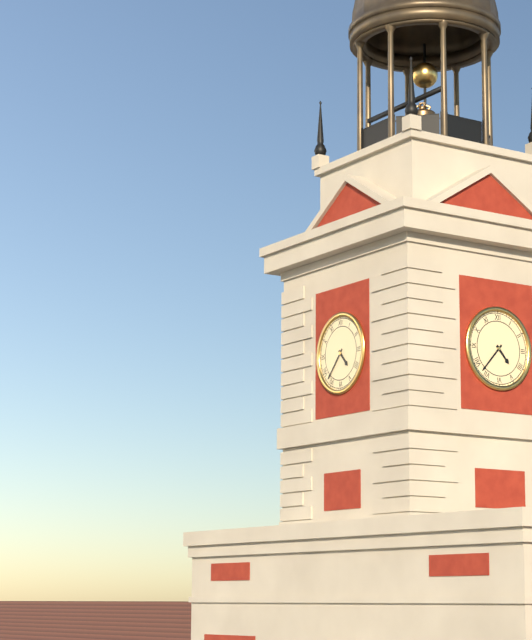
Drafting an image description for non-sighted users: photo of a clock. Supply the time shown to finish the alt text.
4:37
